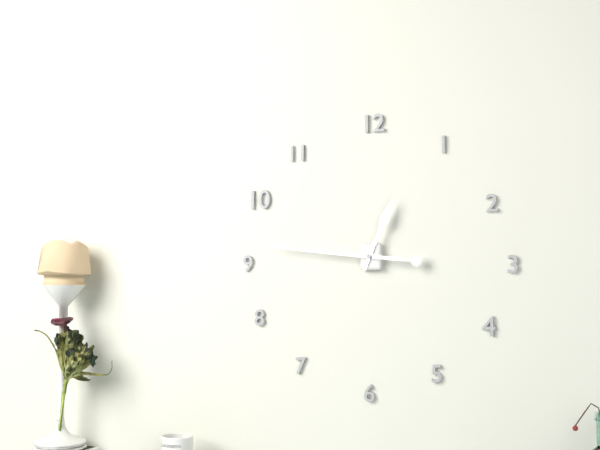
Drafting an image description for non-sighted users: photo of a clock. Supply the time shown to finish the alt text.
12:46
